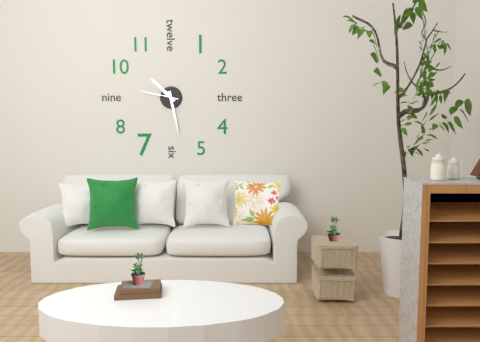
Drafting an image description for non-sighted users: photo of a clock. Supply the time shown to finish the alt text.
10:28
